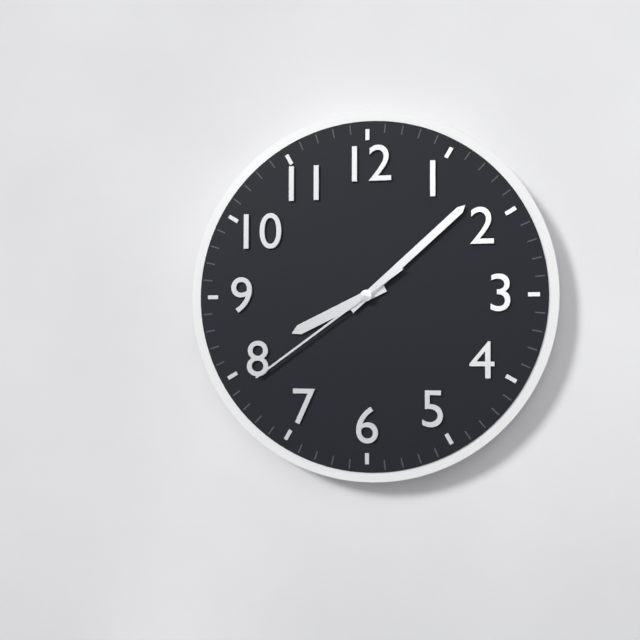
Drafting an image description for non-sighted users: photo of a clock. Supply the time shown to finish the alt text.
8:08:39
